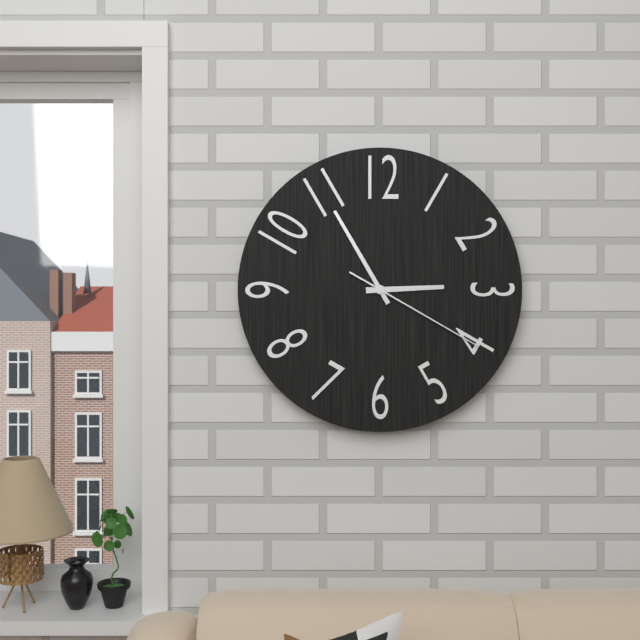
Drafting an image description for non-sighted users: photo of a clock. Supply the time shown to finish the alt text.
2:55:20
